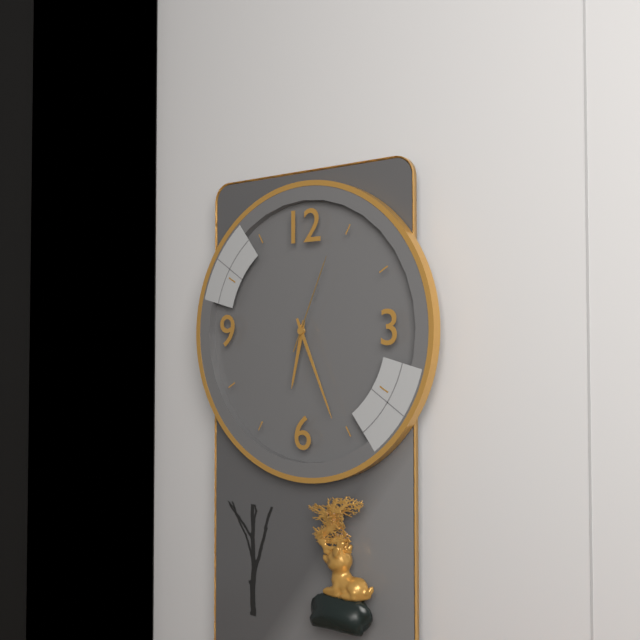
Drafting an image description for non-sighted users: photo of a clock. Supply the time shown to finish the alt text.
6:26:04
